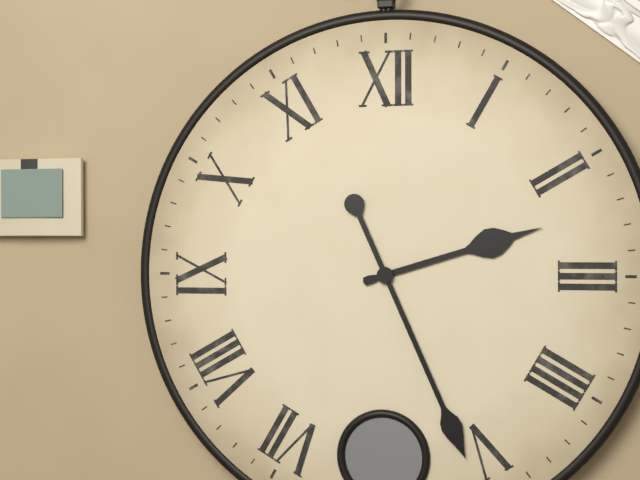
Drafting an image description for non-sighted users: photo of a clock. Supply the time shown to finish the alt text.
2:26
